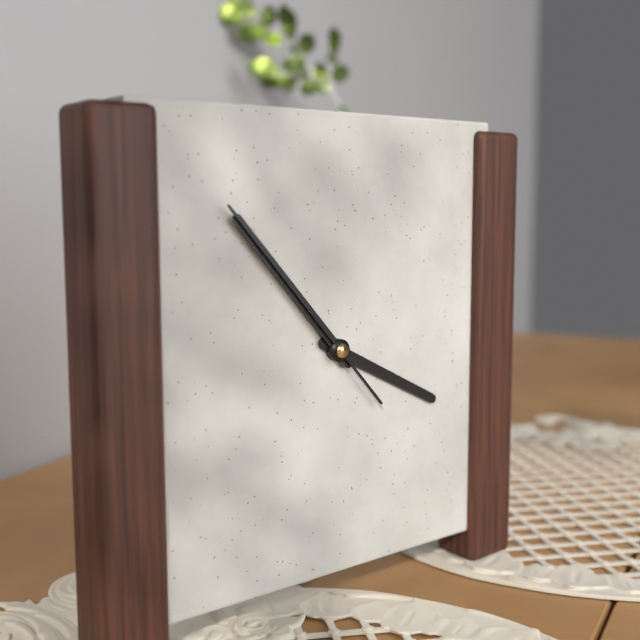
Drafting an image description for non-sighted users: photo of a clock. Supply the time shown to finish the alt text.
3:53:53
